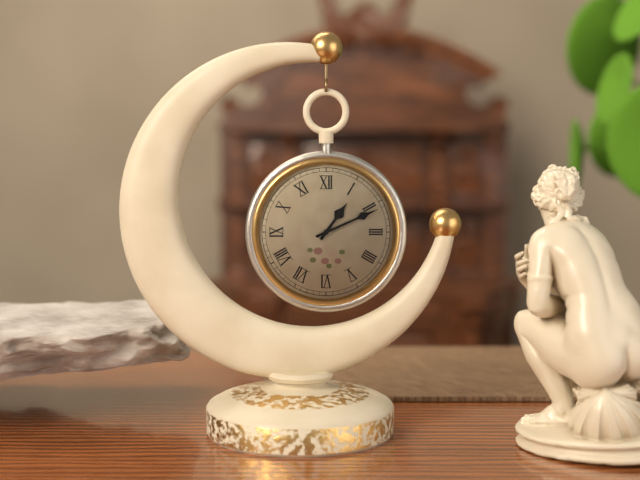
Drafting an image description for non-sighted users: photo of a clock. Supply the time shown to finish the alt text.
1:11
